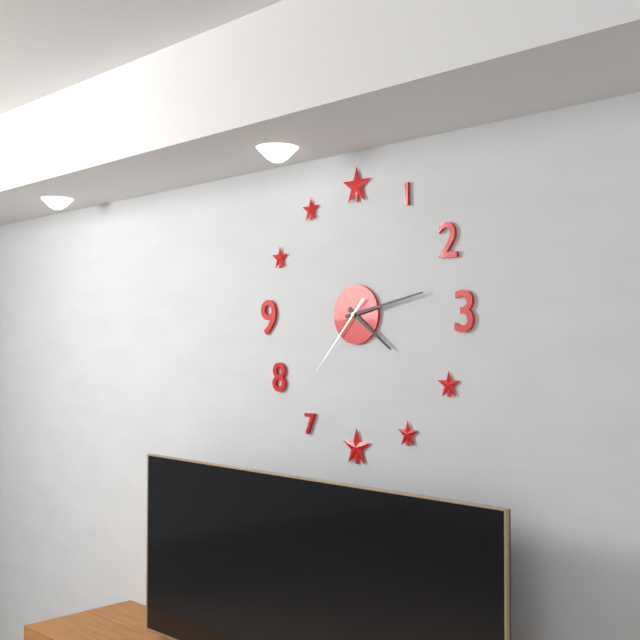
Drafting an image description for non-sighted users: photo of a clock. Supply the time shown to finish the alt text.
4:13:37
